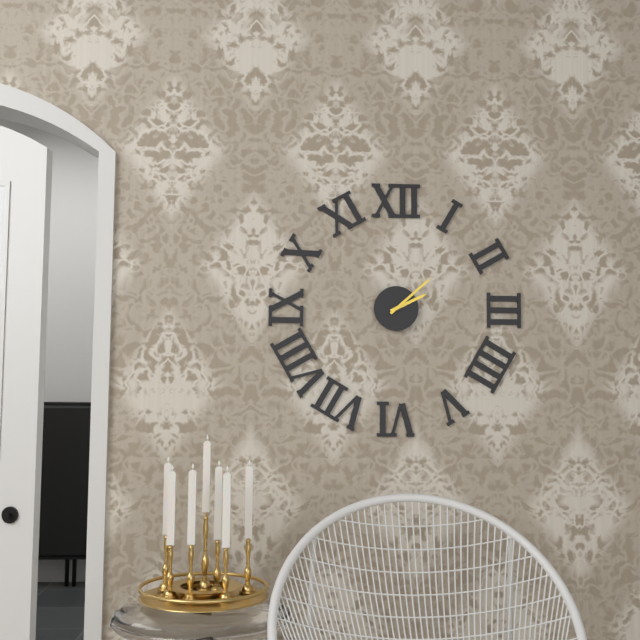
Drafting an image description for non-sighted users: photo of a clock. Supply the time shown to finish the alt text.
2:08
